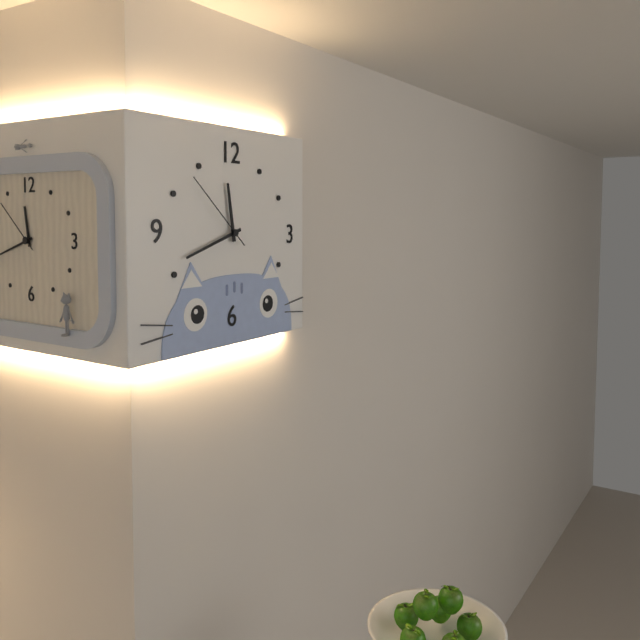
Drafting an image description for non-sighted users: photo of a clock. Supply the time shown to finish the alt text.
11:42:52
